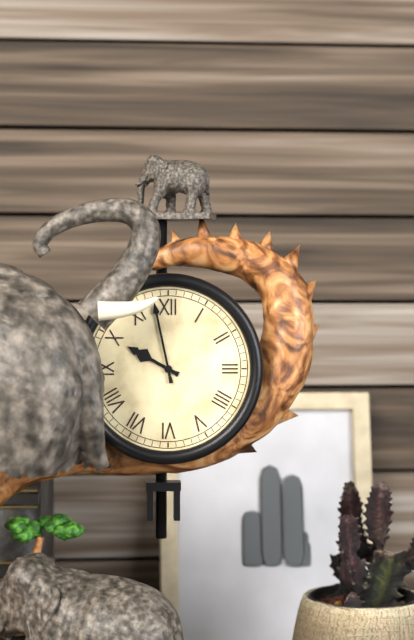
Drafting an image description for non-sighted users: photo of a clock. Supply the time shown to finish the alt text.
9:58
